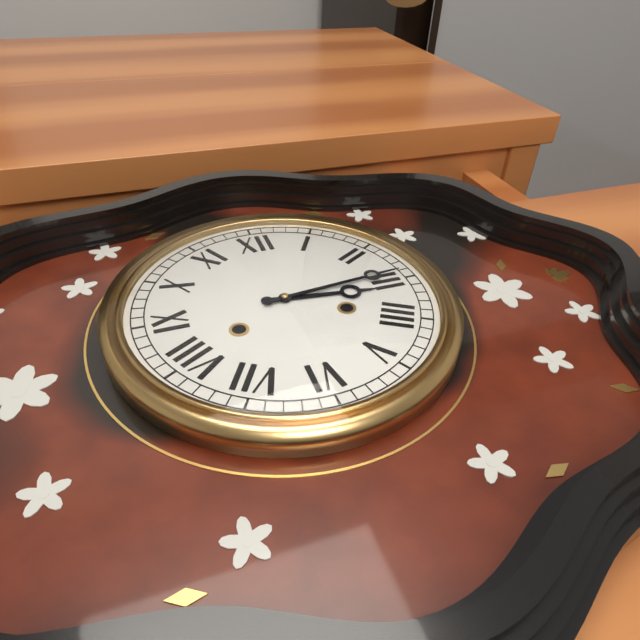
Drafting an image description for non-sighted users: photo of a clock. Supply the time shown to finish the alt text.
3:14
